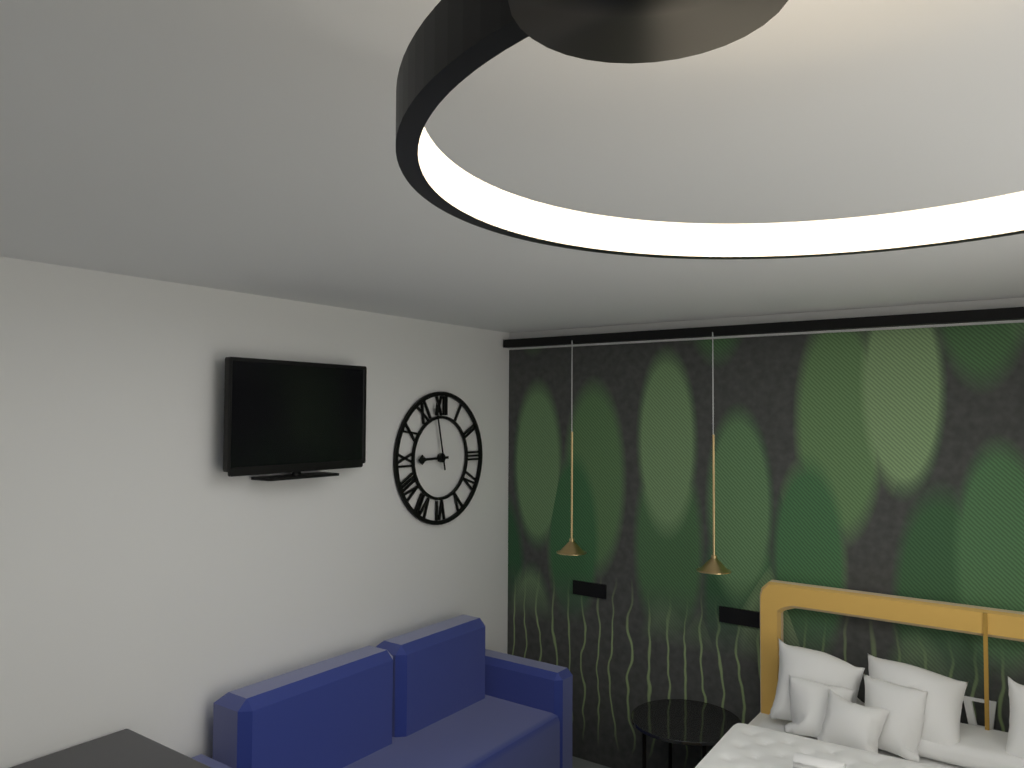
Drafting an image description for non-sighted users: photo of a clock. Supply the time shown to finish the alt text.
8:58
